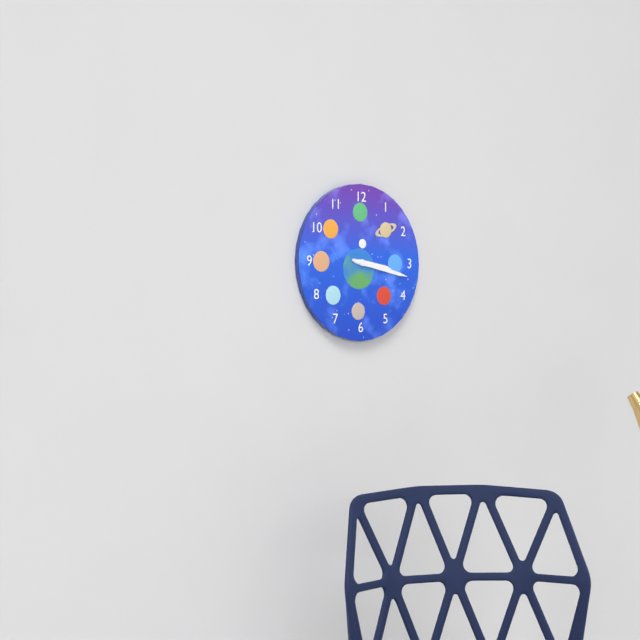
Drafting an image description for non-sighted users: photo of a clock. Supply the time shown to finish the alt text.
3:17
